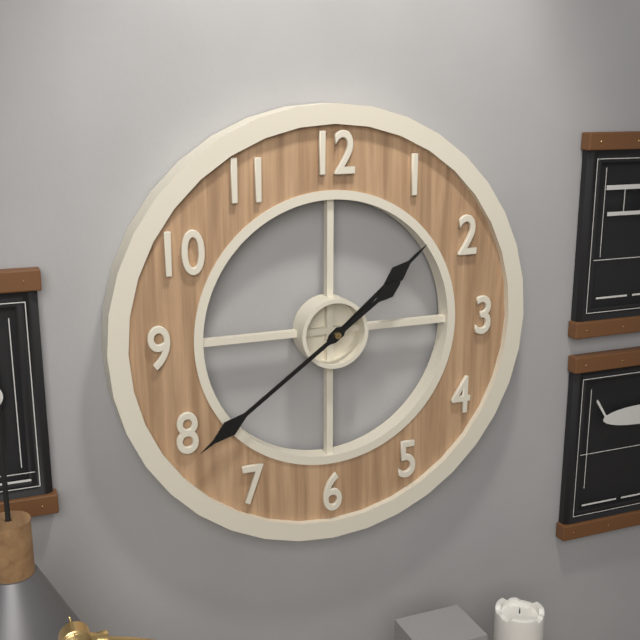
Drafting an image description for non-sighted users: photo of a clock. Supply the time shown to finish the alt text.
1:39
